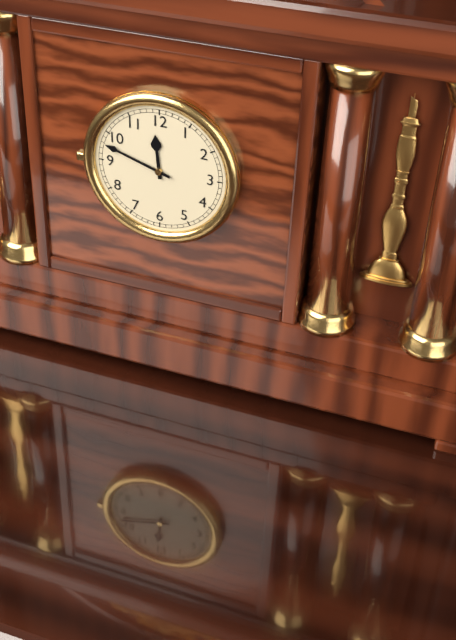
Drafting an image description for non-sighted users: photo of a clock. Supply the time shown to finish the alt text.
11:48
